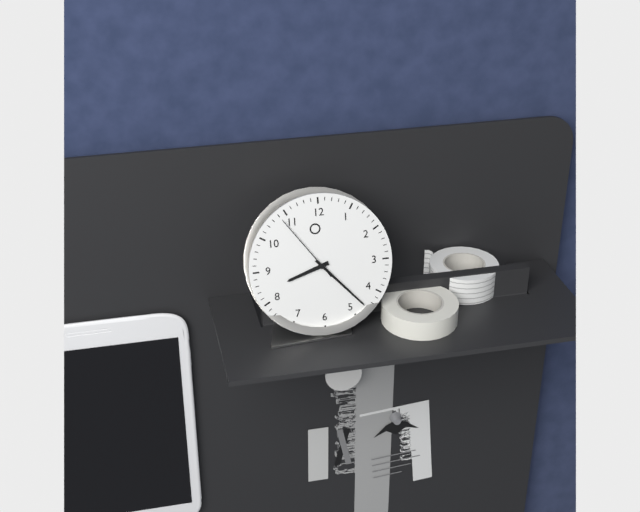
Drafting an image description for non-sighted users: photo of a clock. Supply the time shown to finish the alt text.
8:23:54
